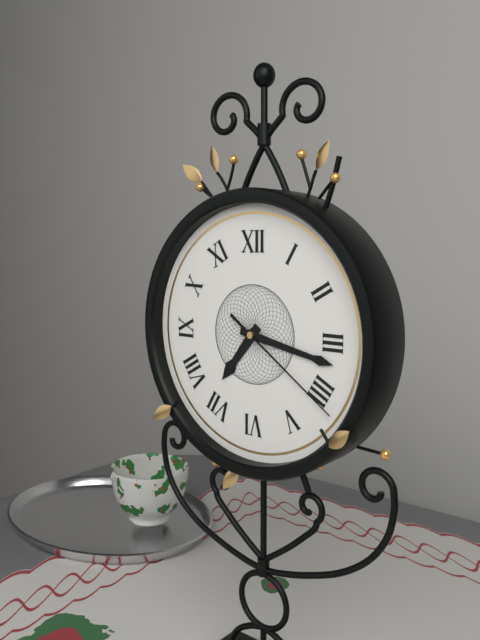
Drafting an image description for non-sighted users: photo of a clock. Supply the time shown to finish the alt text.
7:17:21
